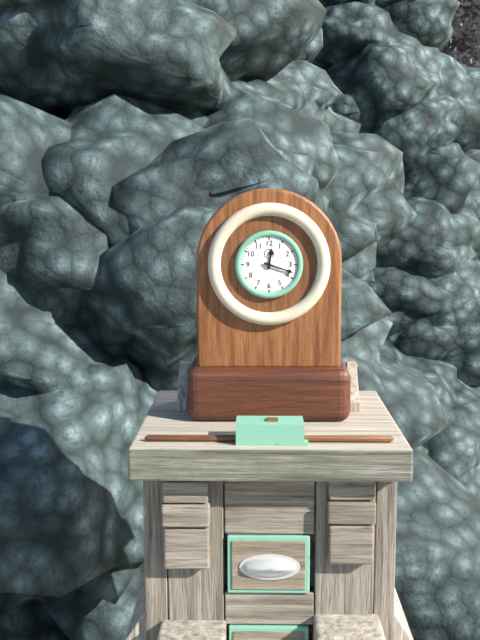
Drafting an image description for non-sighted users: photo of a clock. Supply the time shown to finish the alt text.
12:18
